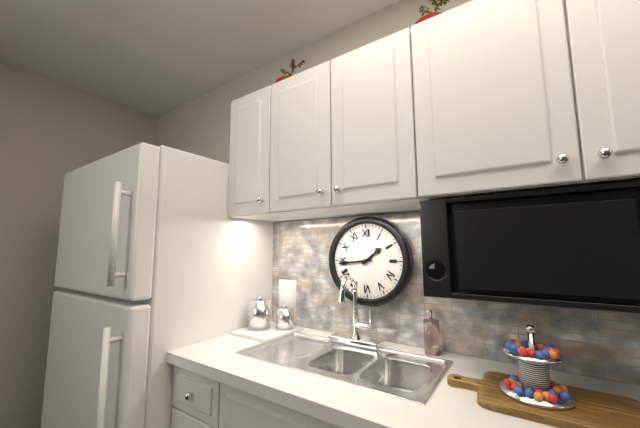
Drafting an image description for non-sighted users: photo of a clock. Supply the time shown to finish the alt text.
1:44
